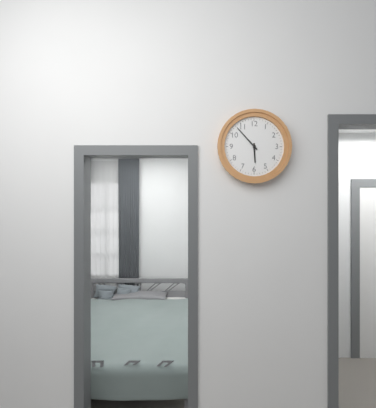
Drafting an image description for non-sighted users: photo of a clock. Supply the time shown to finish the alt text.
5:53
